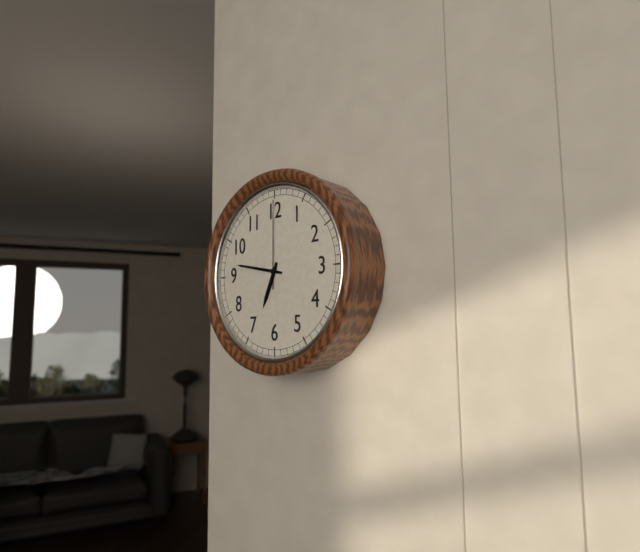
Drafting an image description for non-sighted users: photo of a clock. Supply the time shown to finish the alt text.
6:47:00
